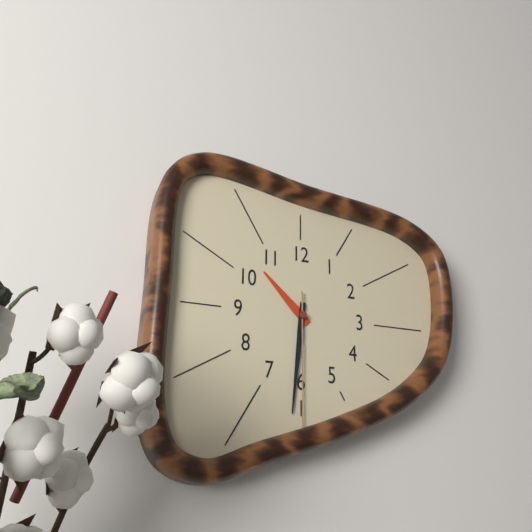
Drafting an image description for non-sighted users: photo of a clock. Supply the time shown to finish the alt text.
10:31:30
